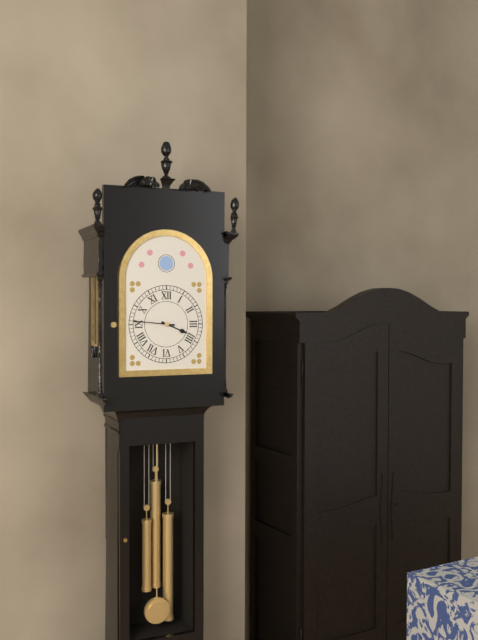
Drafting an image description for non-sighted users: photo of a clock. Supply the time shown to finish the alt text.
3:46
